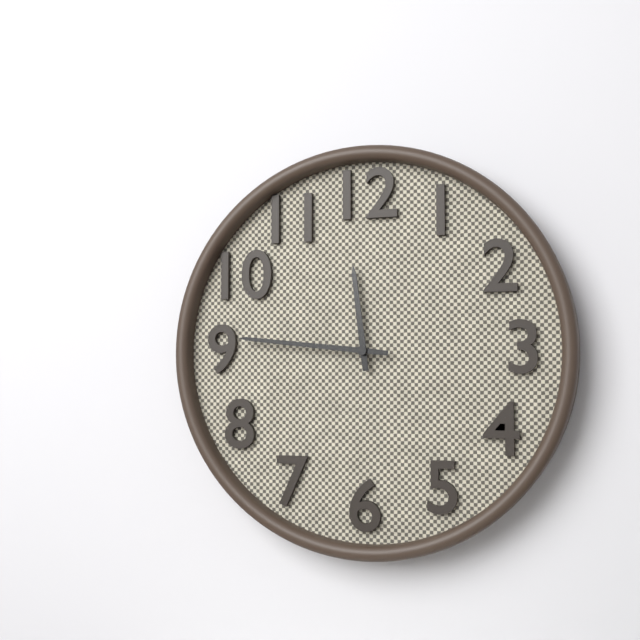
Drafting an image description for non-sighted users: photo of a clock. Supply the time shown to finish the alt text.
11:46
